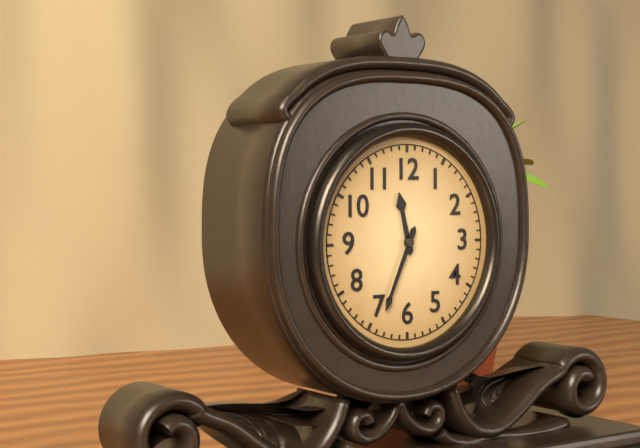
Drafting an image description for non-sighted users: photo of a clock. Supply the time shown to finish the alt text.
11:34
